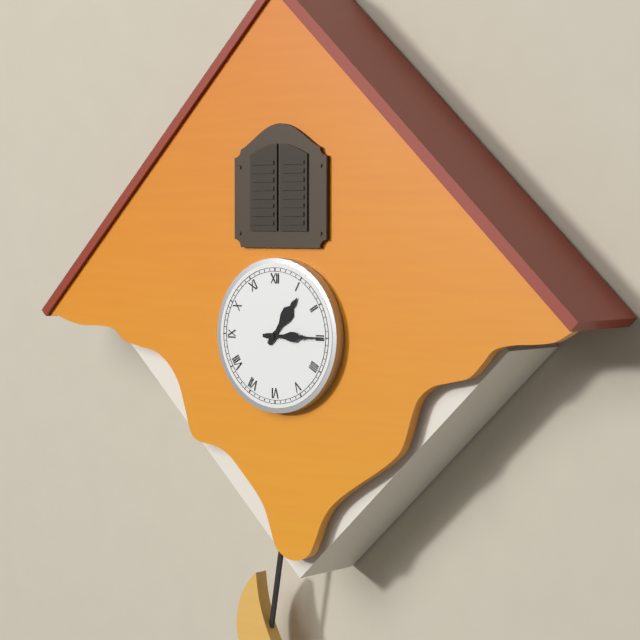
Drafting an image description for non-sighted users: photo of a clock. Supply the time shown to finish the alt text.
1:15
